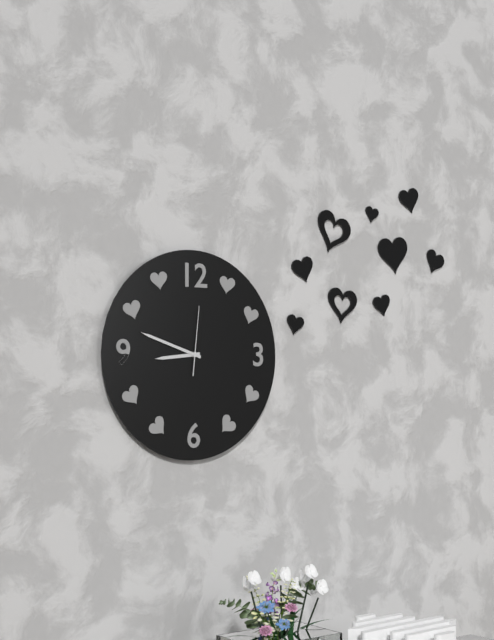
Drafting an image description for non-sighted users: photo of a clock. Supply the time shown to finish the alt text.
8:48:01
